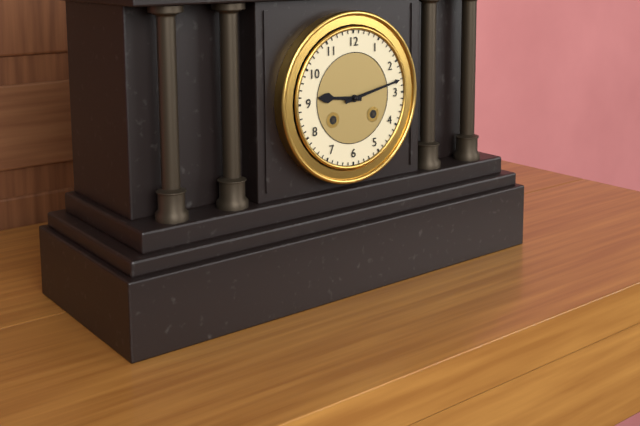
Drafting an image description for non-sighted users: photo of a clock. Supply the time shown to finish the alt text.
9:13
